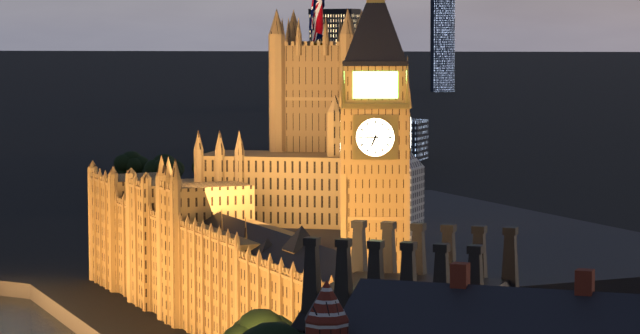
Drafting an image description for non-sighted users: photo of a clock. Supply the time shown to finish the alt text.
6:45
